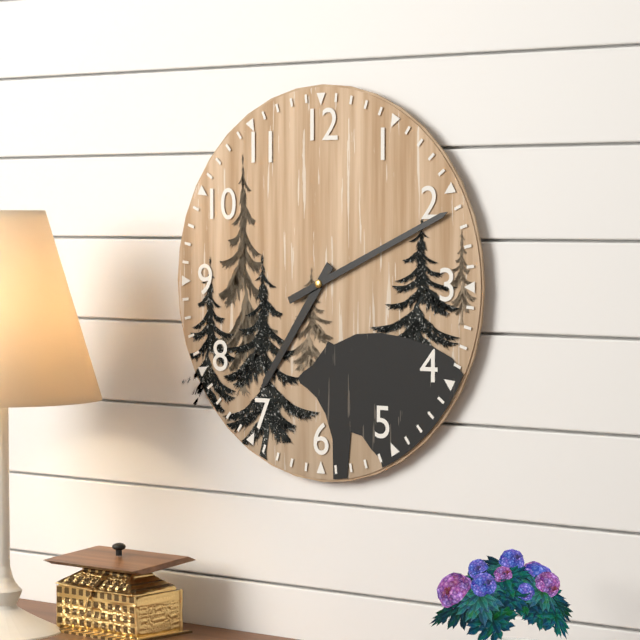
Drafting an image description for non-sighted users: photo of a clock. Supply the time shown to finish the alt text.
7:11
